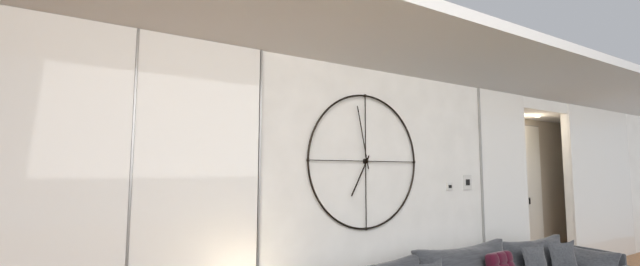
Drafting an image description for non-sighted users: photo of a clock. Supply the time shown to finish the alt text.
6:58
